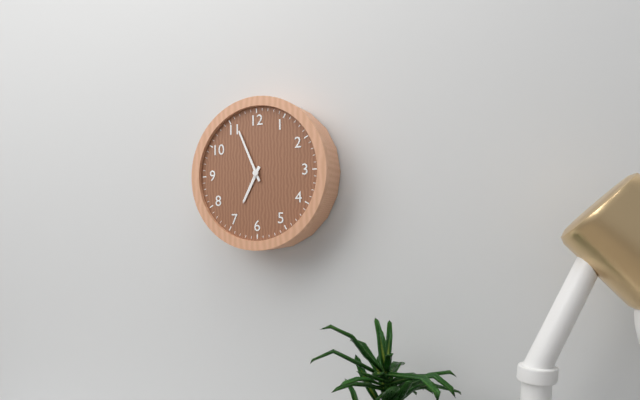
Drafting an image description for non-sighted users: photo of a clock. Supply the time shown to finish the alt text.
6:56
